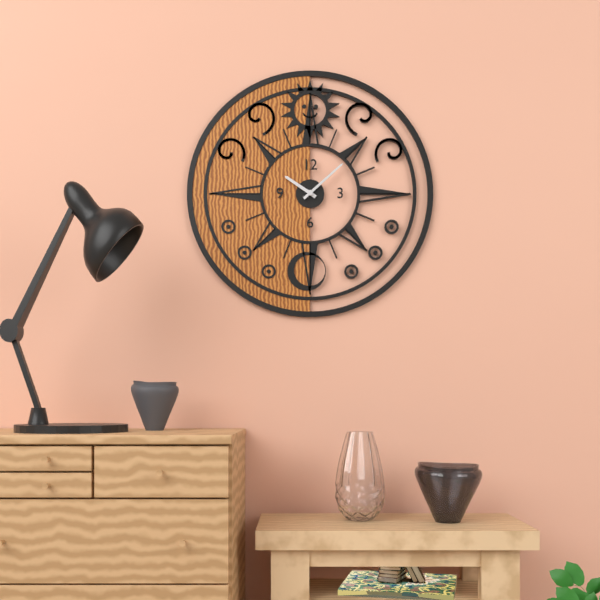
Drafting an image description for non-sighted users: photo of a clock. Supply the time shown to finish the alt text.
10:08
